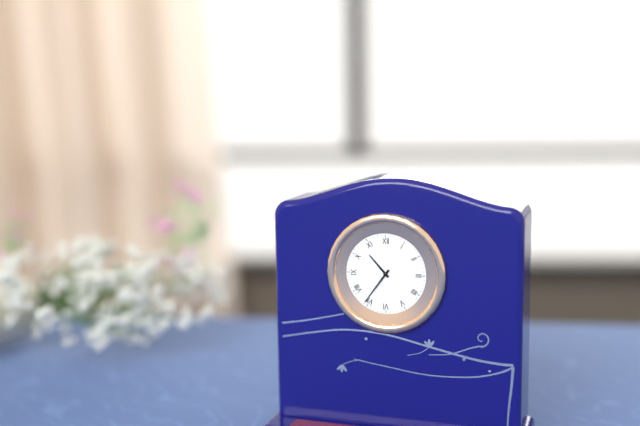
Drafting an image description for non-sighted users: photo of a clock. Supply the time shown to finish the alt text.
10:36
